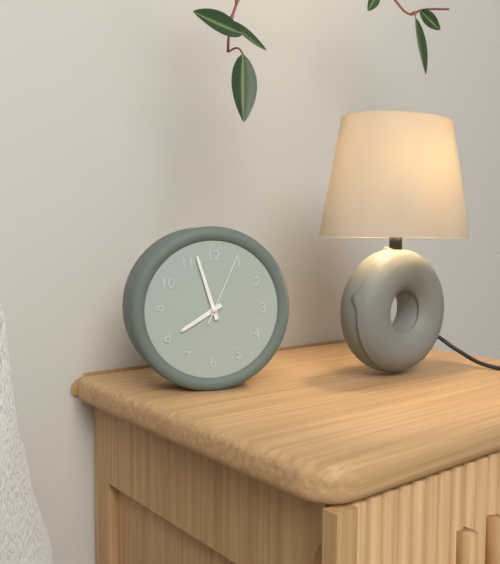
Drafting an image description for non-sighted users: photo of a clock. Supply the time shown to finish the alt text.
7:57:04
